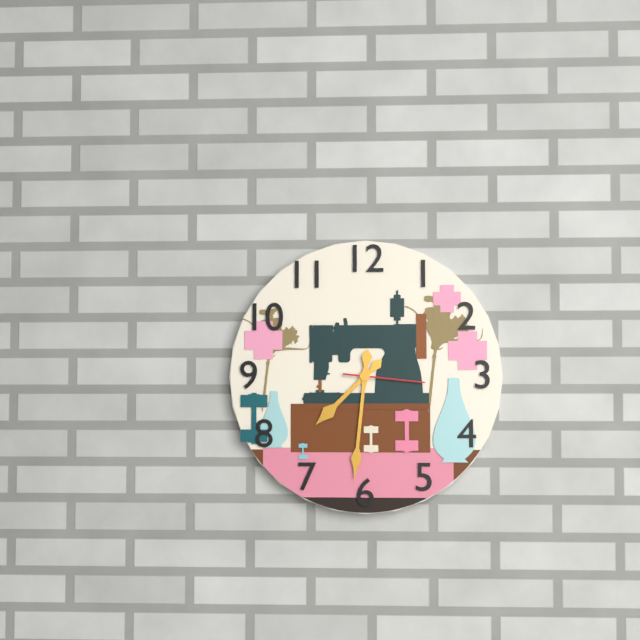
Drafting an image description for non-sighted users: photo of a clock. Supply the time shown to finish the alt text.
7:31:16
